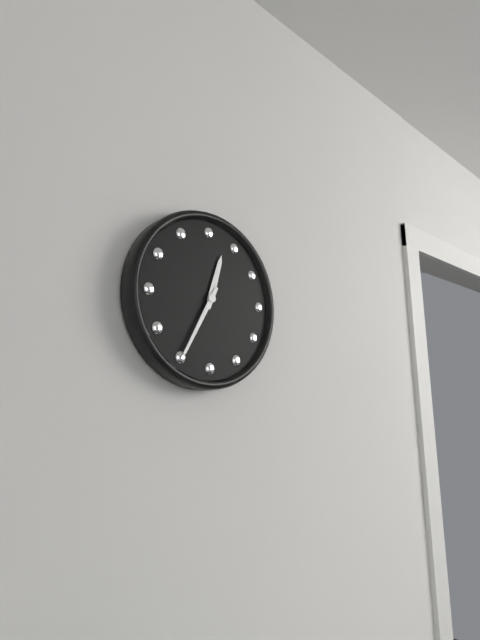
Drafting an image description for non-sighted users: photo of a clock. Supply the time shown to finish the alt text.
12:35
